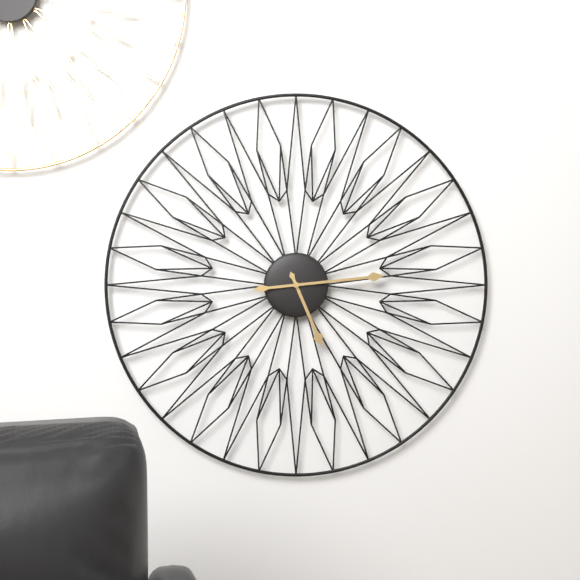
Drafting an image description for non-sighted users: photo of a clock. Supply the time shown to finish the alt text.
5:14
